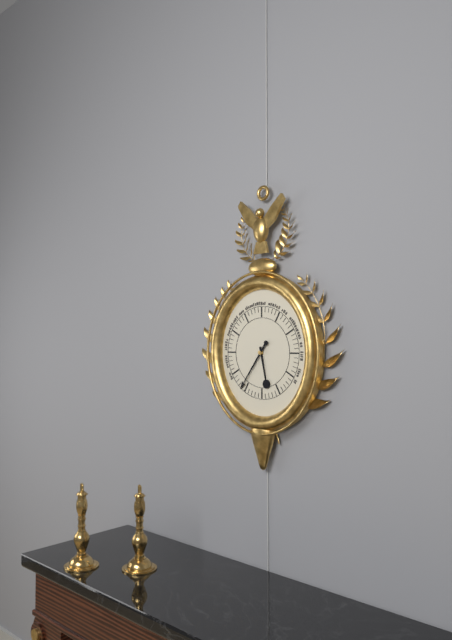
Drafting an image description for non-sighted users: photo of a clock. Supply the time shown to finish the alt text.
5:36
